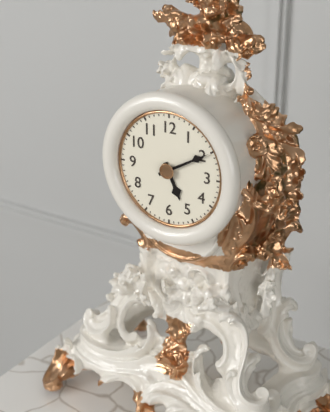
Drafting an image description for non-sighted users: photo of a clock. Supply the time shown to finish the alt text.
5:10
